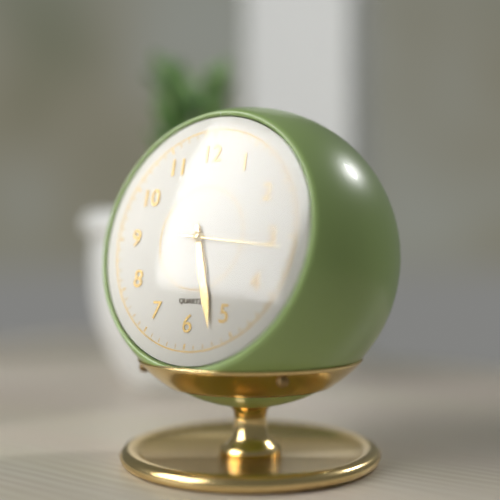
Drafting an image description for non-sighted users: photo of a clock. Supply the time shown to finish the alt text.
5:27:16
